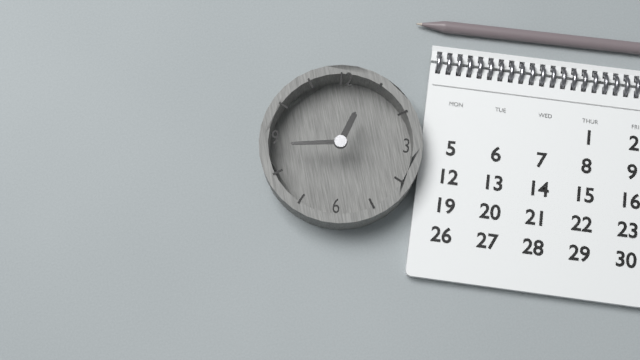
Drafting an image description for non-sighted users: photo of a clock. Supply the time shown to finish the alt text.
12:44
